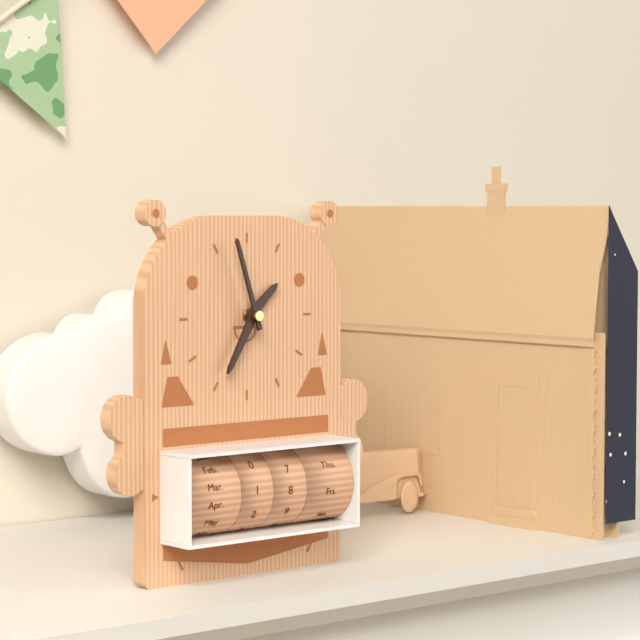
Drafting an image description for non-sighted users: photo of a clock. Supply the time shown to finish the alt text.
1:35:57
